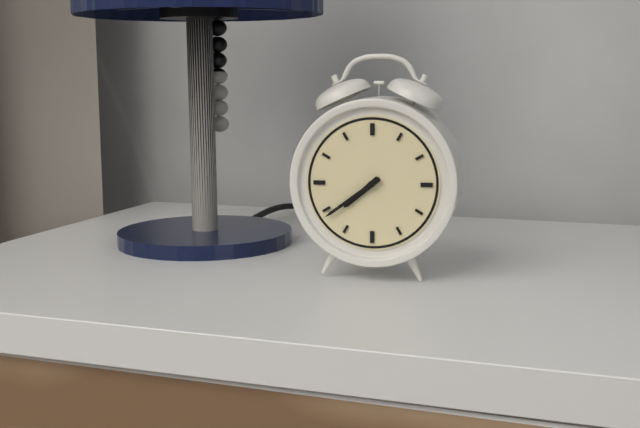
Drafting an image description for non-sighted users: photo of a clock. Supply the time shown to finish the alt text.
7:39
